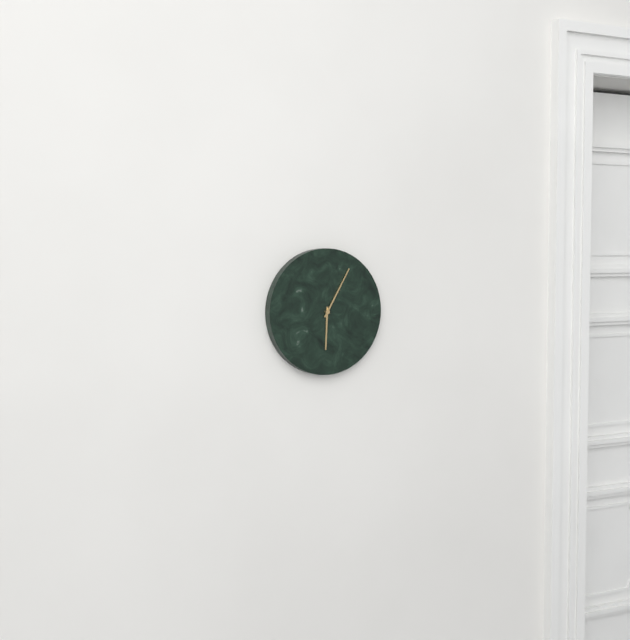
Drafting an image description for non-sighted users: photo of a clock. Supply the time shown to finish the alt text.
6:05
